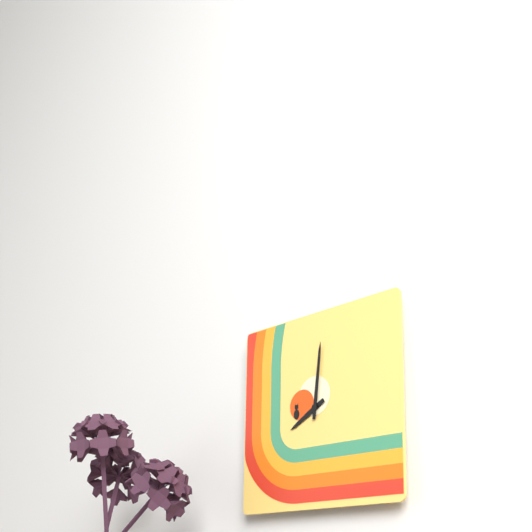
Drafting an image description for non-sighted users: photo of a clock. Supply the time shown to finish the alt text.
8:01
